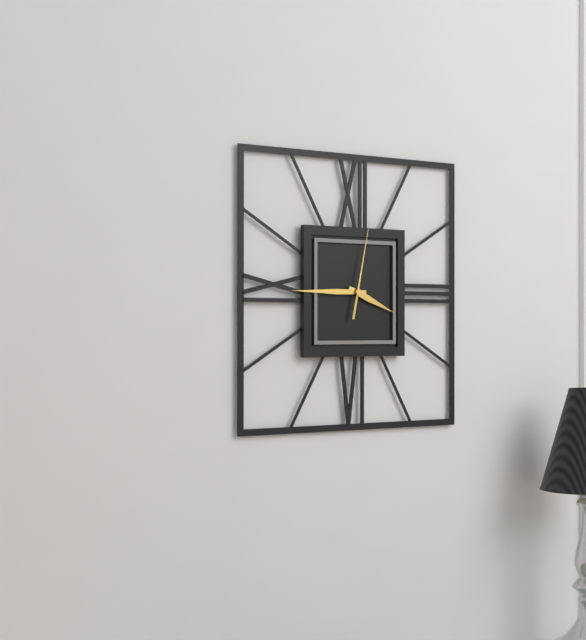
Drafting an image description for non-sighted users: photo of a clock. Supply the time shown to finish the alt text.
3:45:02
